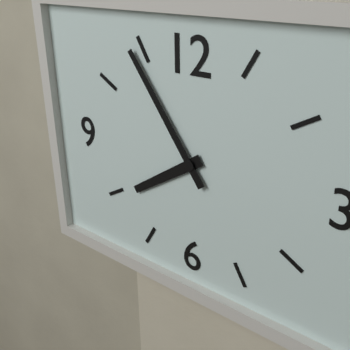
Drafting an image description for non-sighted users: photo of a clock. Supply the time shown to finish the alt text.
7:54
